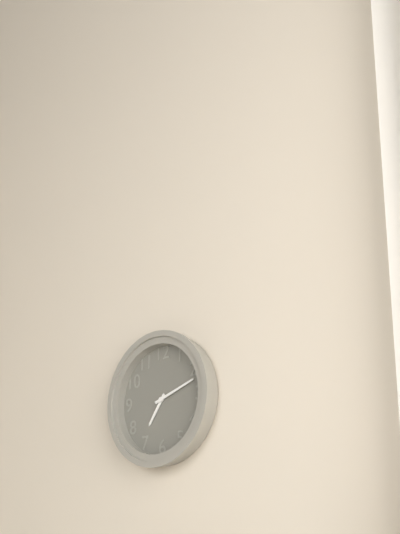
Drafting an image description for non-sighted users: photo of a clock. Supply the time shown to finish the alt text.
7:12
